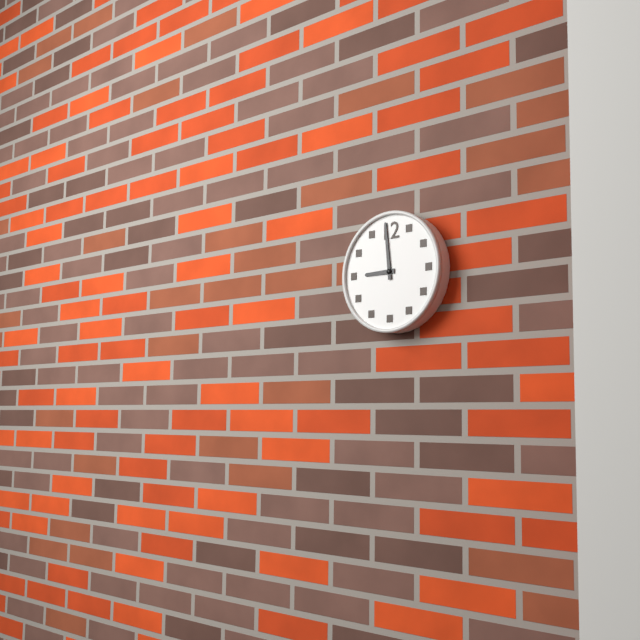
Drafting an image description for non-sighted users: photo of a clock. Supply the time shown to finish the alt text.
8:59
